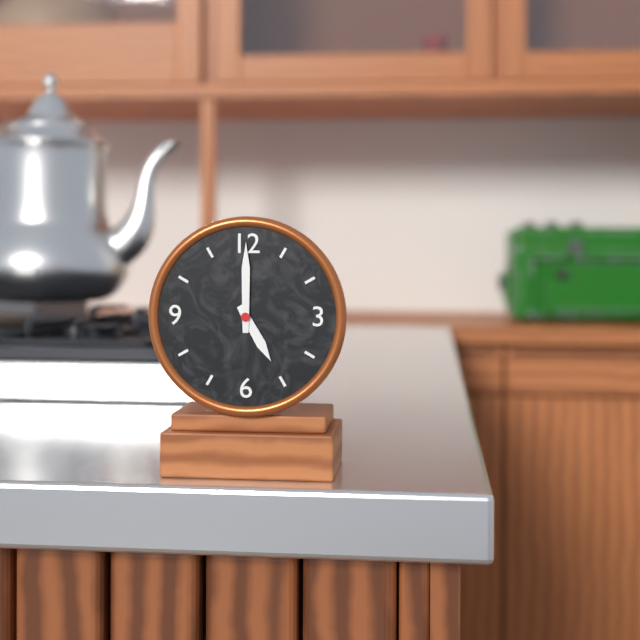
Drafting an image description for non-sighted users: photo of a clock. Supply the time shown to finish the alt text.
5:00
